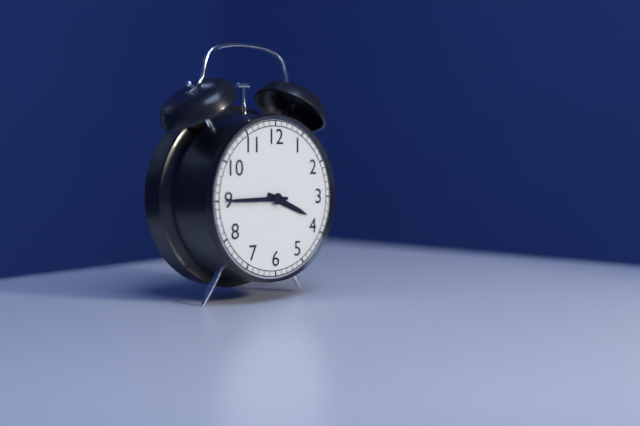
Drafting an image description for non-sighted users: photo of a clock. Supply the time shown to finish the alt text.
3:45
